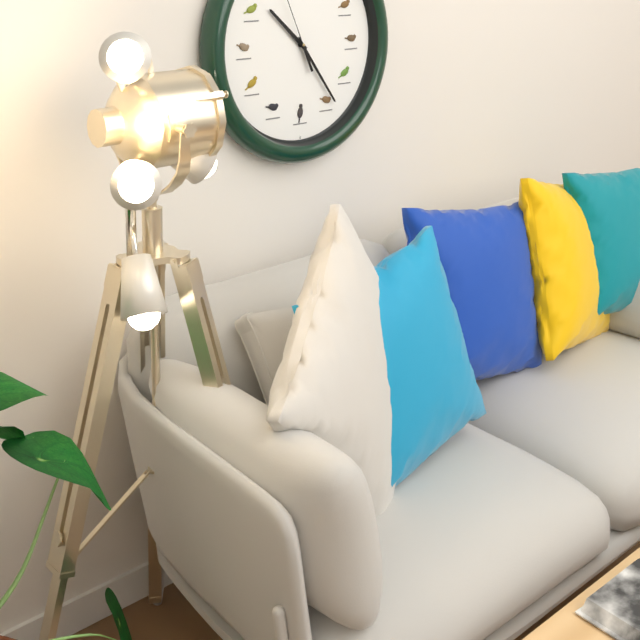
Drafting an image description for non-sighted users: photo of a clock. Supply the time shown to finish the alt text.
10:24
